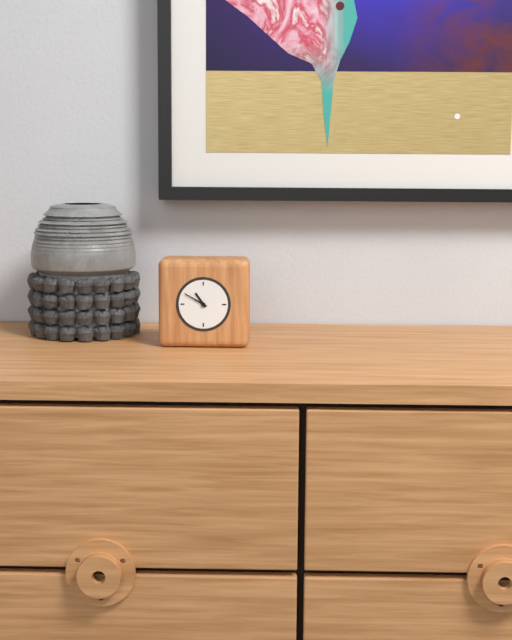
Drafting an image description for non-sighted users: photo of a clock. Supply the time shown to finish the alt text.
10:50
